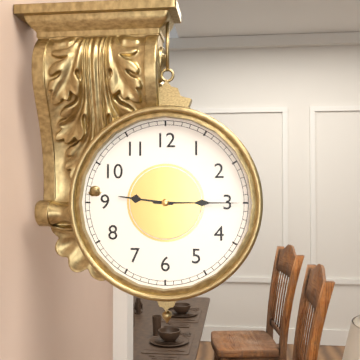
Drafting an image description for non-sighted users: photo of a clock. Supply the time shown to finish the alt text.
9:15
